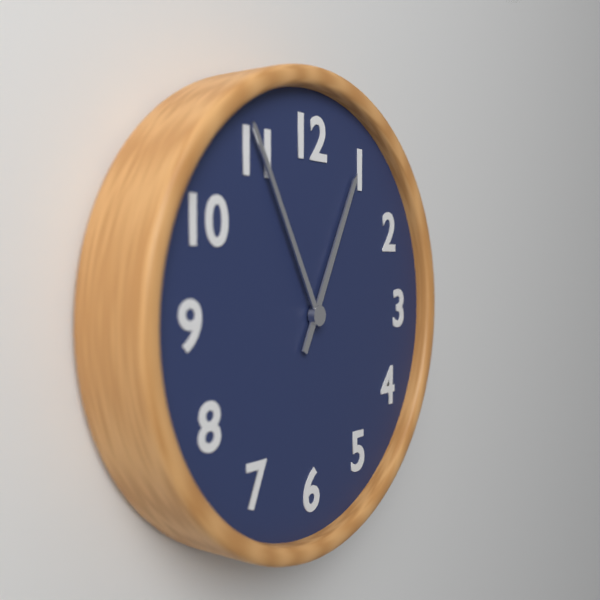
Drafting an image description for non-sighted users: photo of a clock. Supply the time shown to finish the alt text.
12:55
